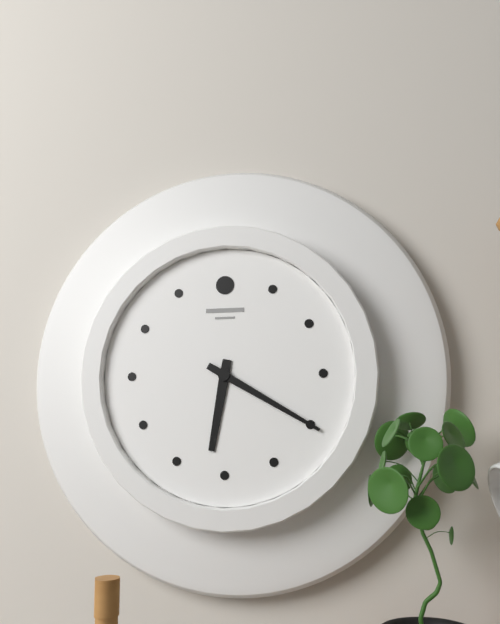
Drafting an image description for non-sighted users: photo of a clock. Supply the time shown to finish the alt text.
6:20
